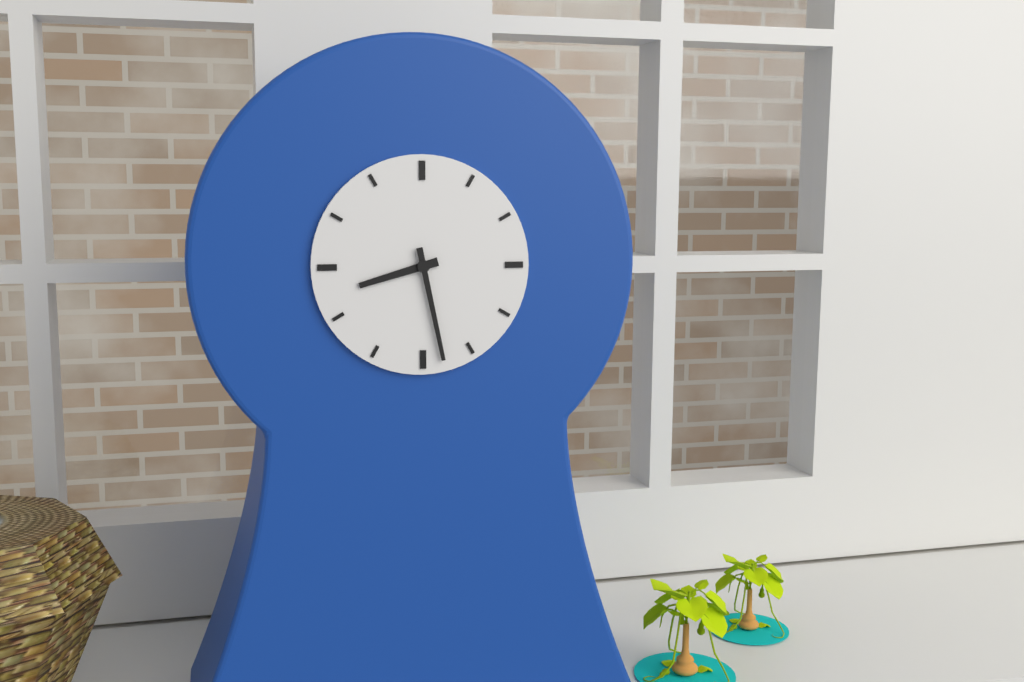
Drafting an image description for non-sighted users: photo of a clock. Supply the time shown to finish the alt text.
8:28
